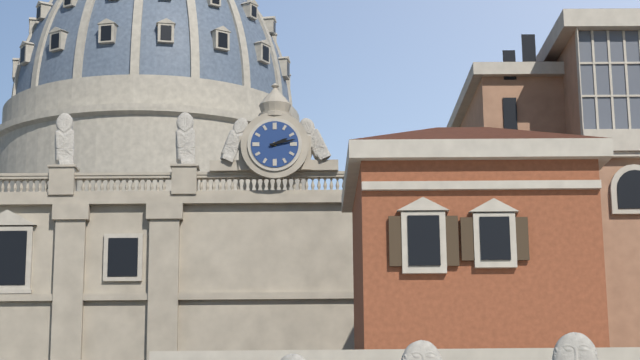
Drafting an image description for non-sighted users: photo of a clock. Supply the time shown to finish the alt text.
2:13
